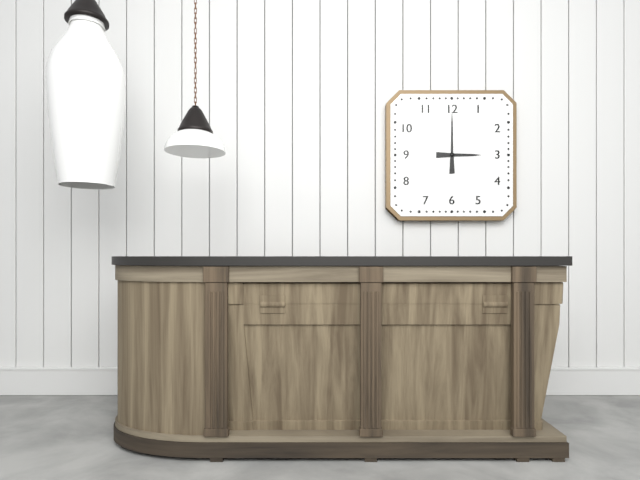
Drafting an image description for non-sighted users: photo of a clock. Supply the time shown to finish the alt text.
3:00
